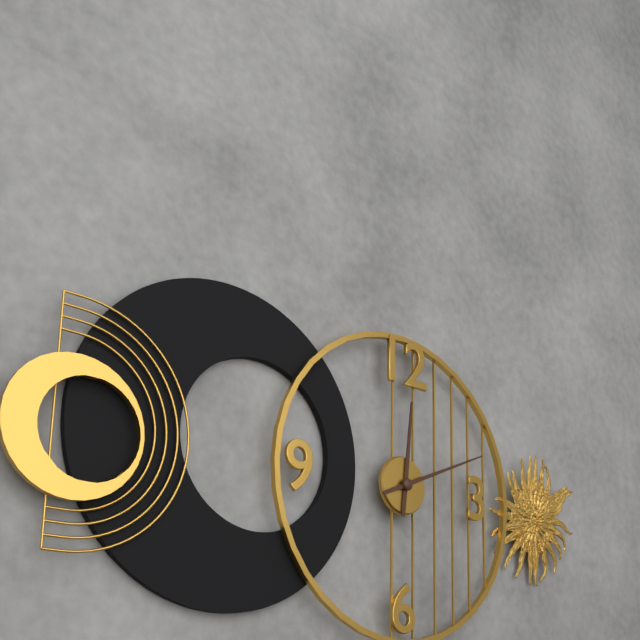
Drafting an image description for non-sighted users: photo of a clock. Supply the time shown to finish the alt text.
12:11
